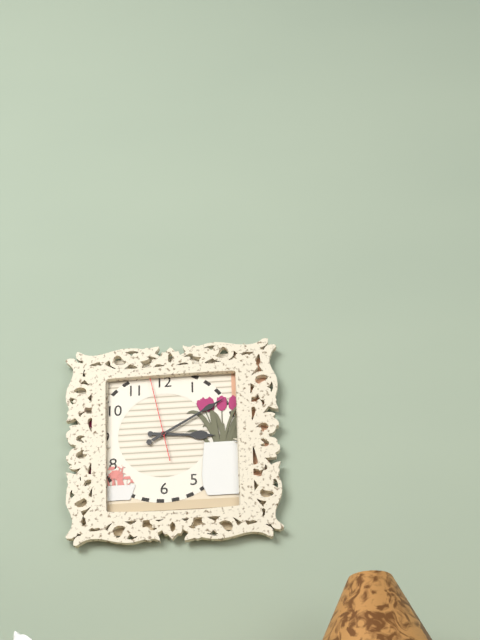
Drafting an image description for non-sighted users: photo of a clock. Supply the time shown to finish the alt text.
3:10:58
